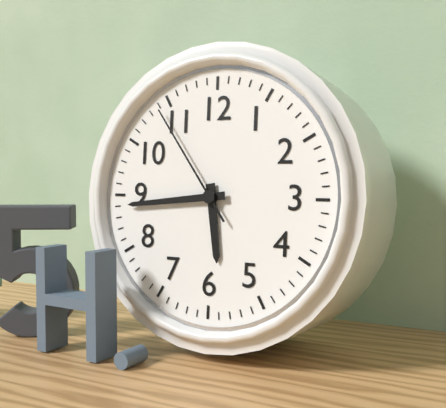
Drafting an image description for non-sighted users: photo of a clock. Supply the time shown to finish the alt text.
5:44:54
